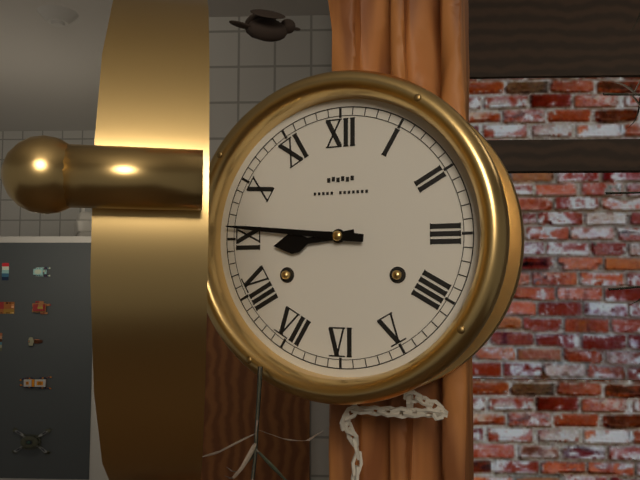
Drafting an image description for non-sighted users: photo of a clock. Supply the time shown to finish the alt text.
8:46
